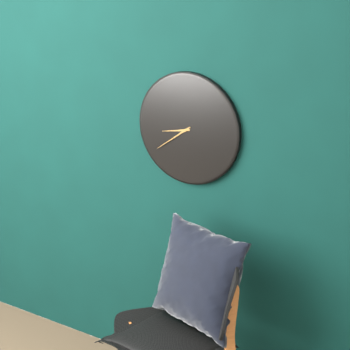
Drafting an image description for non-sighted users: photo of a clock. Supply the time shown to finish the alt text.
8:39
